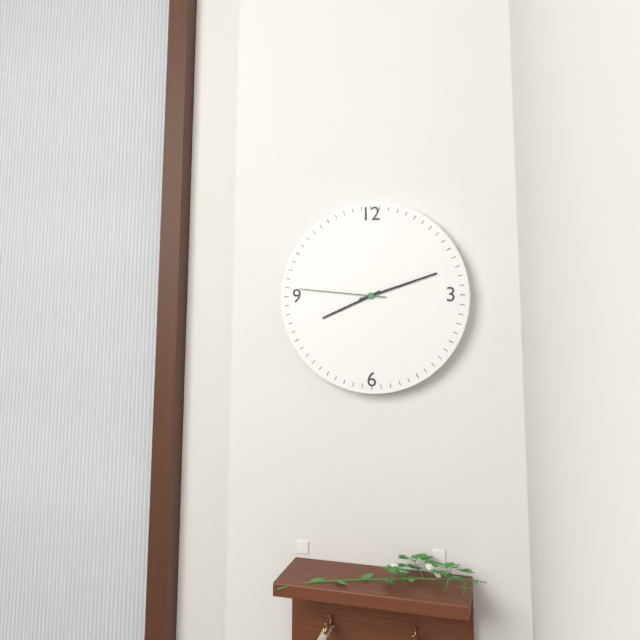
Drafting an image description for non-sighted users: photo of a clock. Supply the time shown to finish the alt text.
8:12:46
